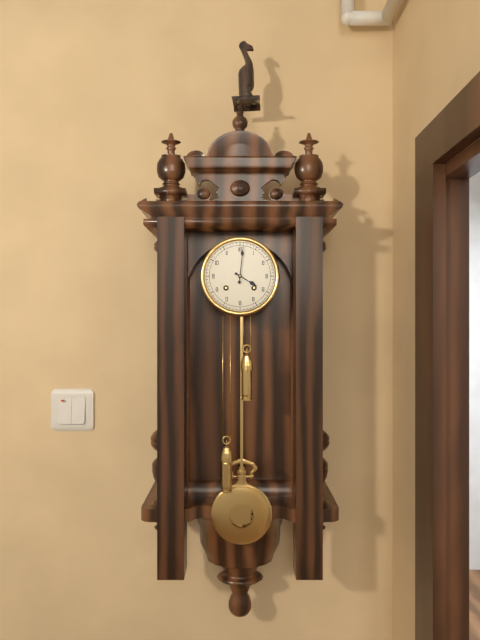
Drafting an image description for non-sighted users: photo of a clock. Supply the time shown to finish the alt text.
4:01
